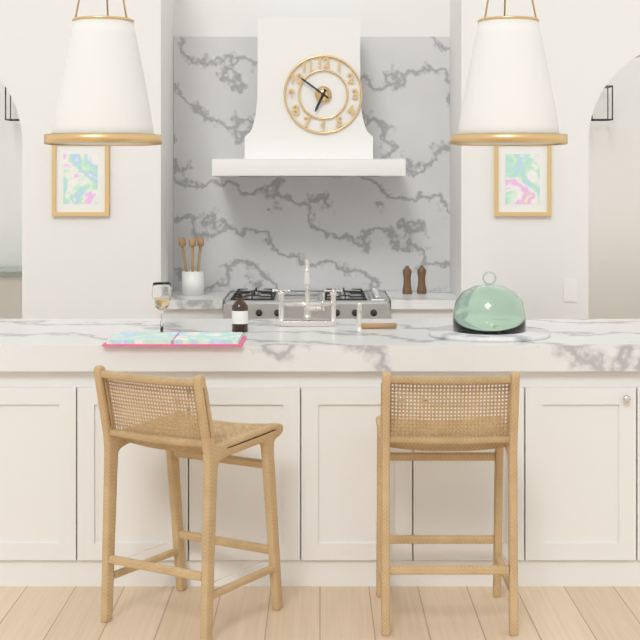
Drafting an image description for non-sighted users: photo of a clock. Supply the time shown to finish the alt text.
6:51
